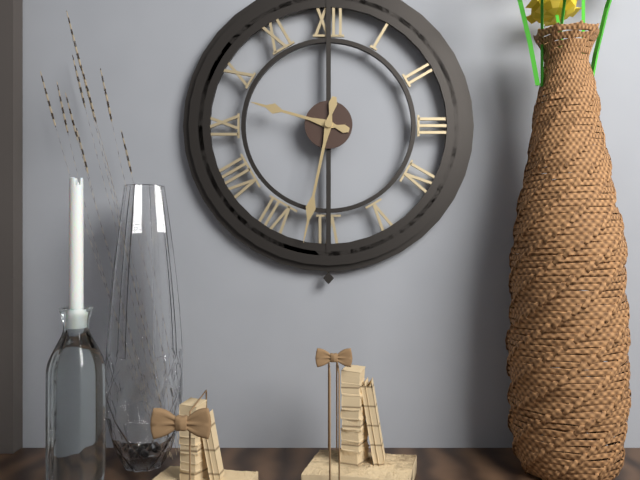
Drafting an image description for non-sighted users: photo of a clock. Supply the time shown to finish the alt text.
9:32
